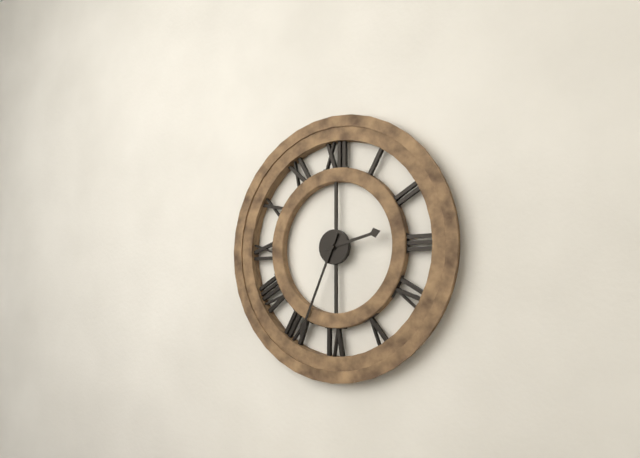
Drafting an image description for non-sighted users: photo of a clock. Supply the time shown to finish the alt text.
2:34
